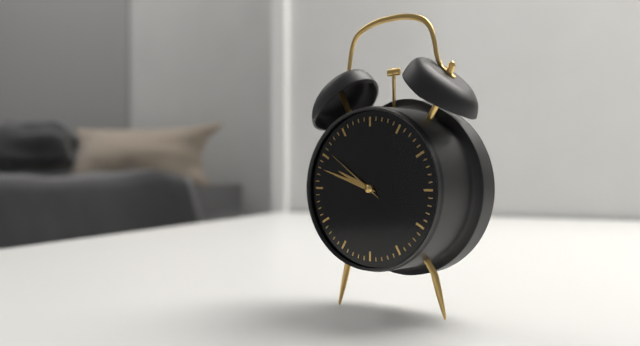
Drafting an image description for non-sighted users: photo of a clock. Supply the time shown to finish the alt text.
9:48:51
